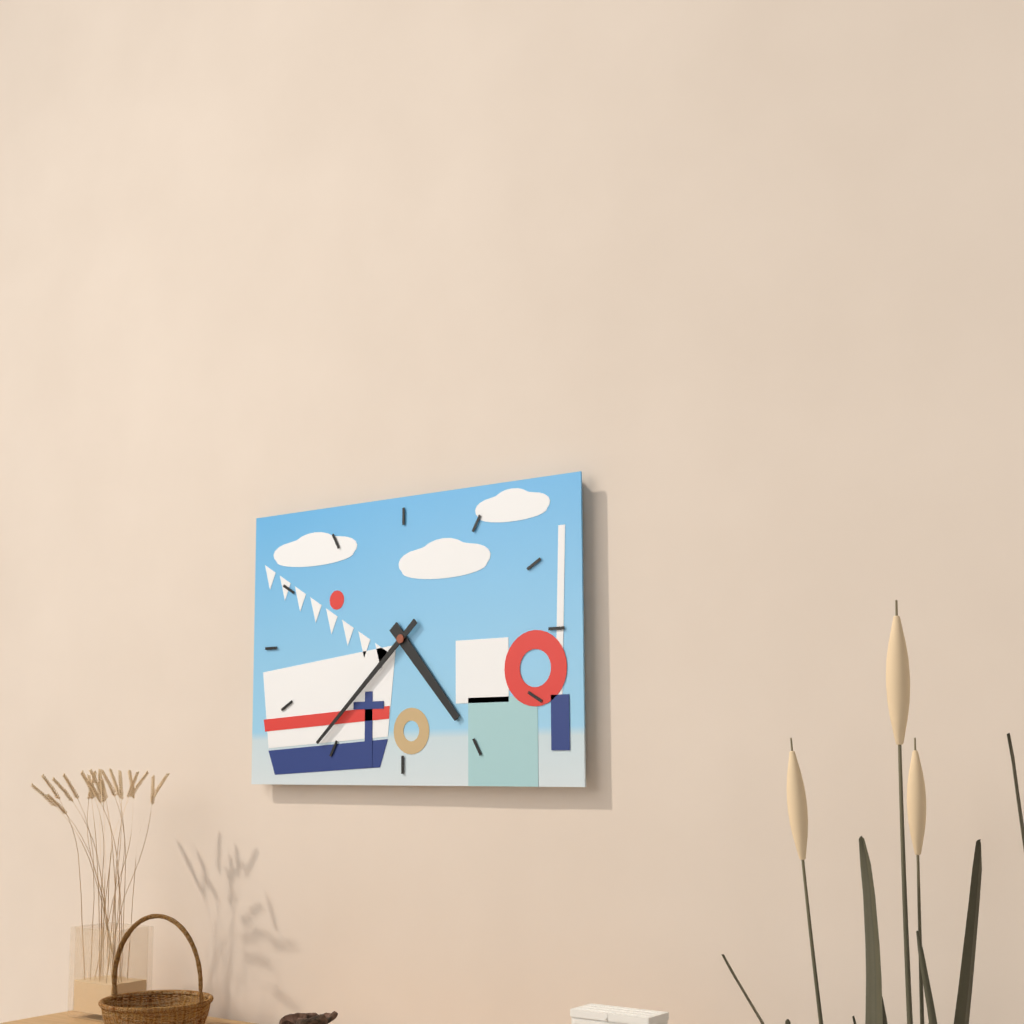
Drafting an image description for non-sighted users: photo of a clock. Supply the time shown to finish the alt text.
4:38
